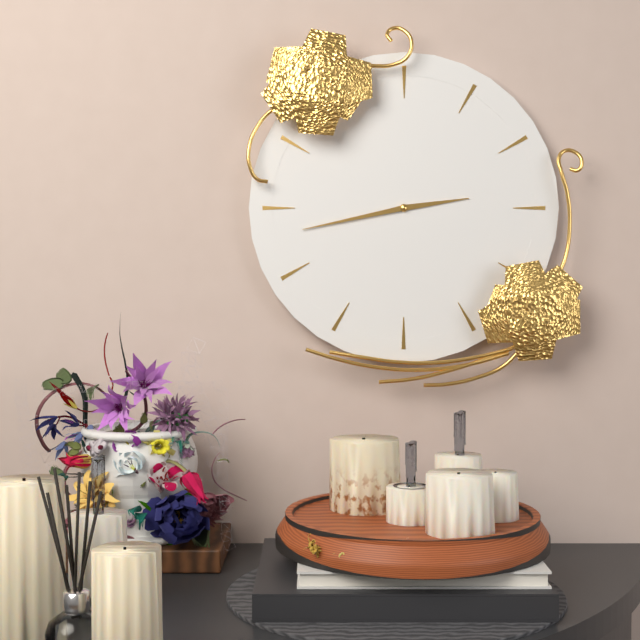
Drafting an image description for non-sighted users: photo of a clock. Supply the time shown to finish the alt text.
2:43
